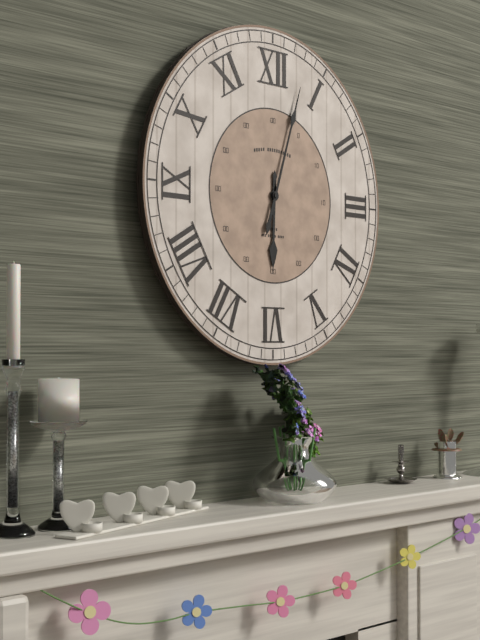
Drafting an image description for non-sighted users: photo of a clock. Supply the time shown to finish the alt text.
6:03
